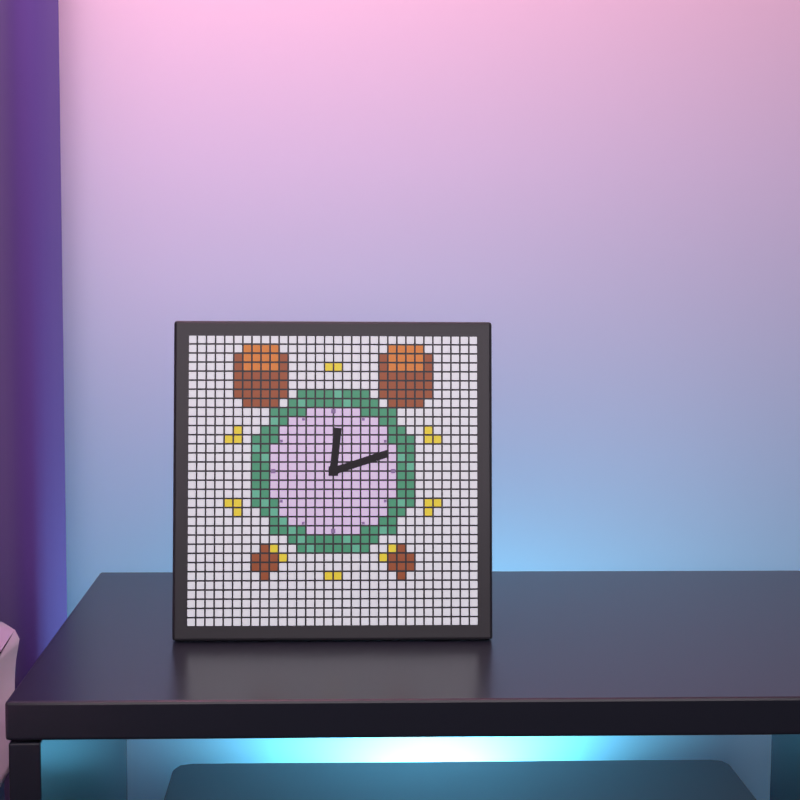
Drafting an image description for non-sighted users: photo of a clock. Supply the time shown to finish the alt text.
12:12
